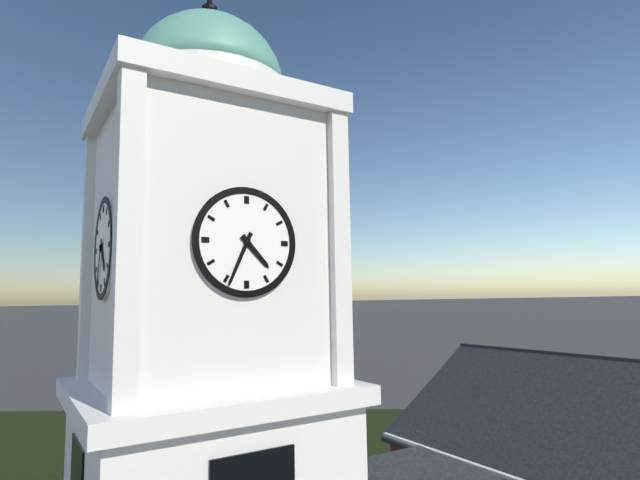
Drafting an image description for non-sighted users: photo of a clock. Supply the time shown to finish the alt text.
4:34
